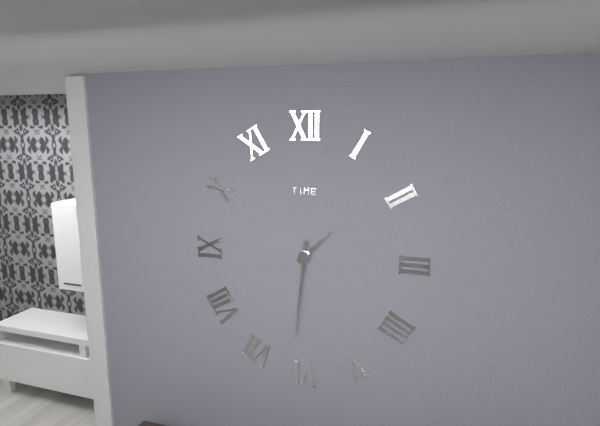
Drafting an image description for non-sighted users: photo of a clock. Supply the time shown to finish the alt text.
1:31
